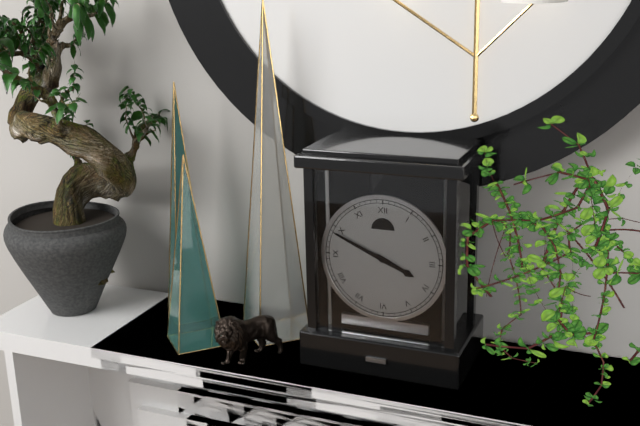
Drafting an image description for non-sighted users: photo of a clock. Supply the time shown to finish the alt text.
3:49
